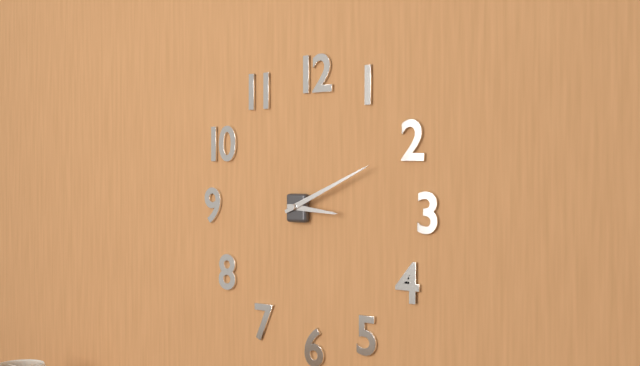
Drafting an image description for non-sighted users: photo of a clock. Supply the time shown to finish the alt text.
3:11
